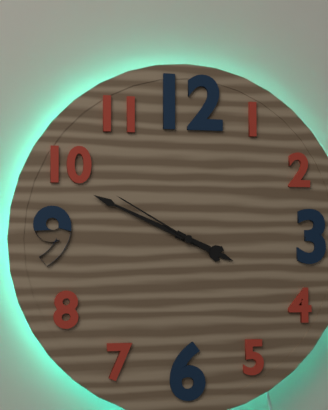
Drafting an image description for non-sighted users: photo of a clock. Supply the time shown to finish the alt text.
3:49:50
